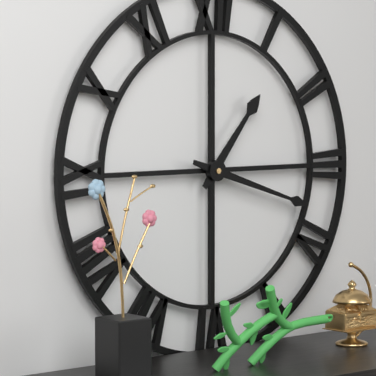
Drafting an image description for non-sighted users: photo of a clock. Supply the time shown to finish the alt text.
1:18
